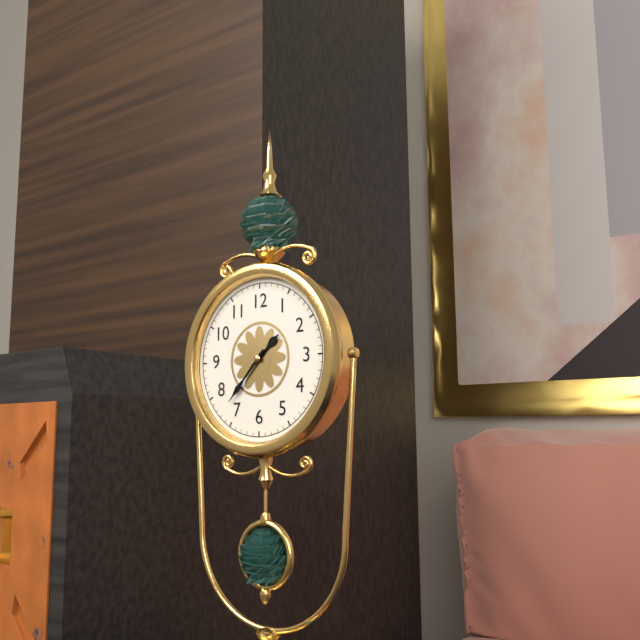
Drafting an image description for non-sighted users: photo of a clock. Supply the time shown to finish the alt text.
1:37
